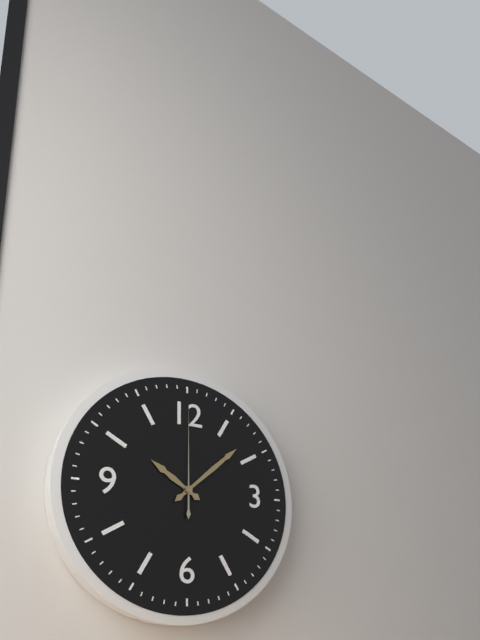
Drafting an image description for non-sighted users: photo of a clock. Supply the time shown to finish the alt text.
10:08:00
